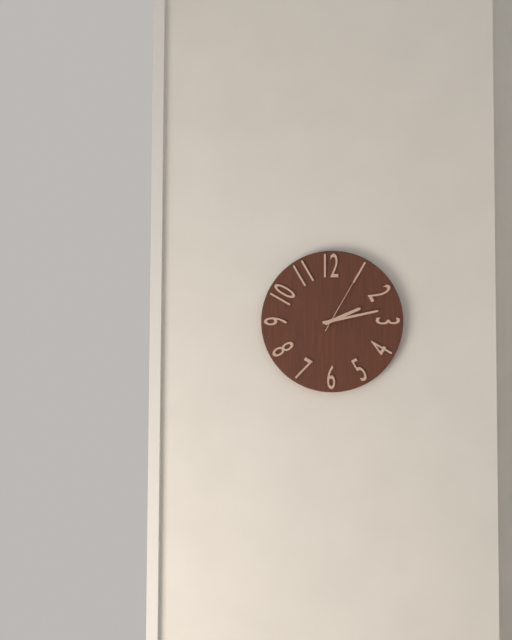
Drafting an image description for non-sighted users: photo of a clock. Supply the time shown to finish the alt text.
2:13:05
